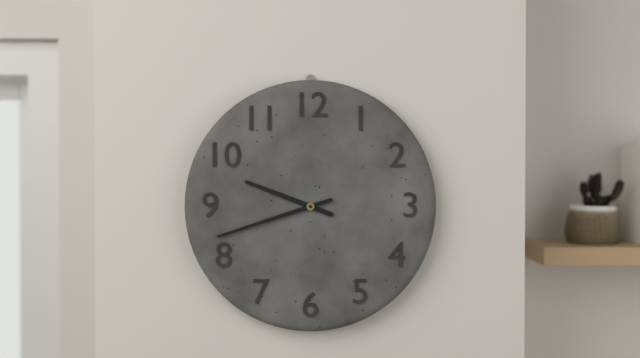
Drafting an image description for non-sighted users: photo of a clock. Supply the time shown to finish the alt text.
9:42
